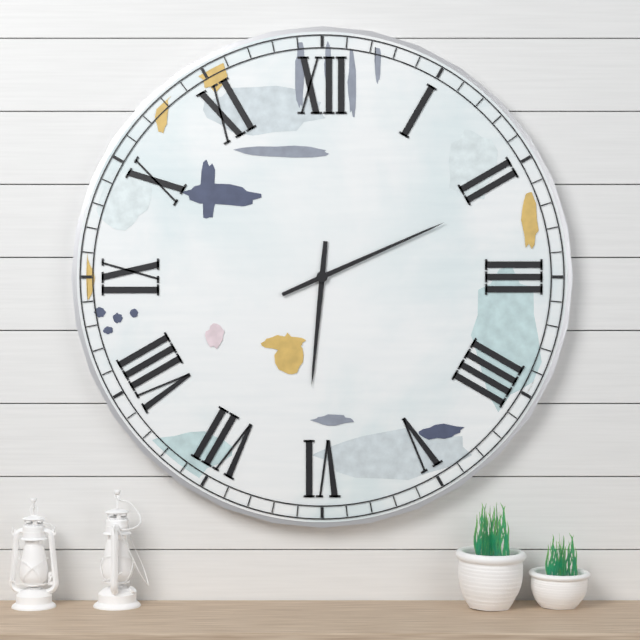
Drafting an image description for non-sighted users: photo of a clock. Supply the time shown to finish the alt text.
6:11
